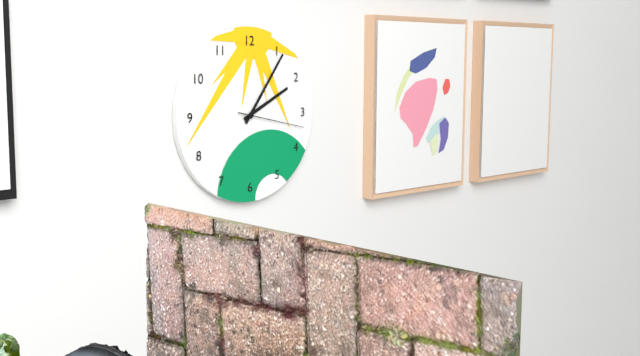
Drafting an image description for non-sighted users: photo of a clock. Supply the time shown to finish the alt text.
2:06:17
